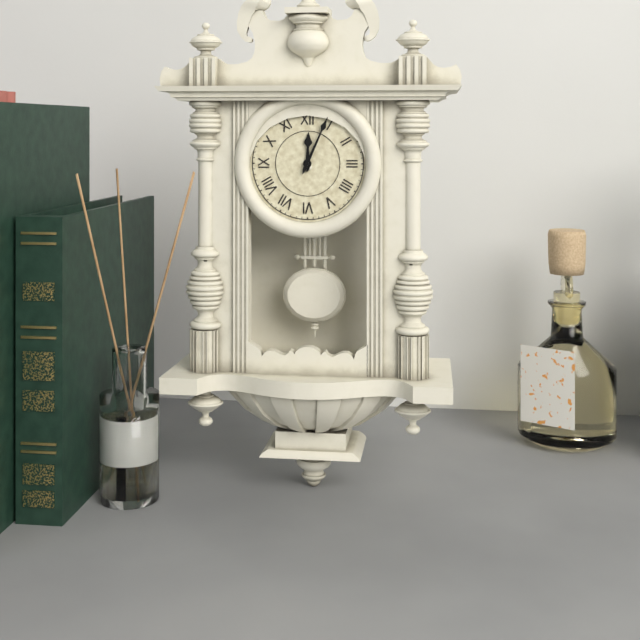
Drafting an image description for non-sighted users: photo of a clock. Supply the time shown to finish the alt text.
12:04
